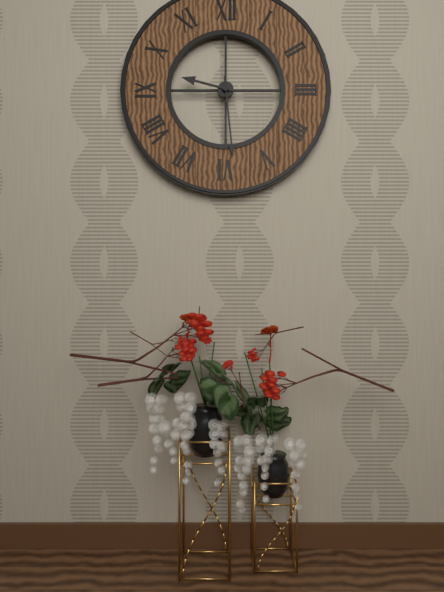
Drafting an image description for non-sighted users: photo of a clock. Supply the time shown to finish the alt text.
9:29
